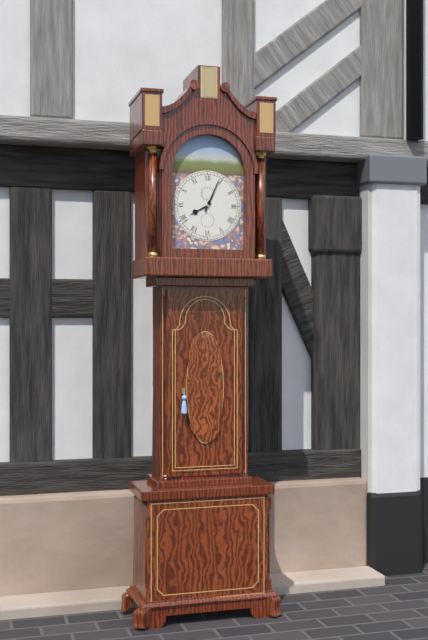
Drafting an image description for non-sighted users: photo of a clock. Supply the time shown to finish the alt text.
8:04
